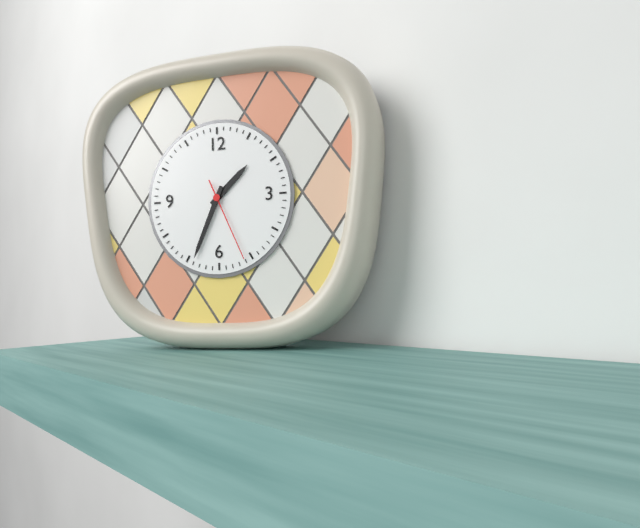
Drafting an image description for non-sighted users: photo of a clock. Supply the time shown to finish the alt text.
1:34:26
